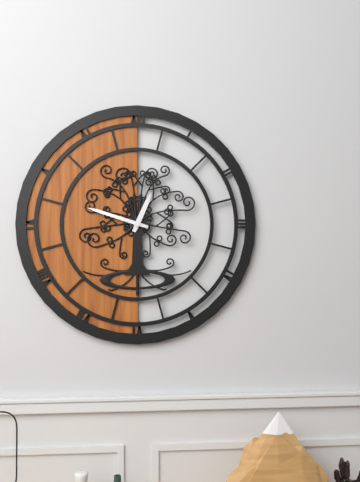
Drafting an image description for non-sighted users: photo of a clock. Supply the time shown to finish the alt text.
12:48
